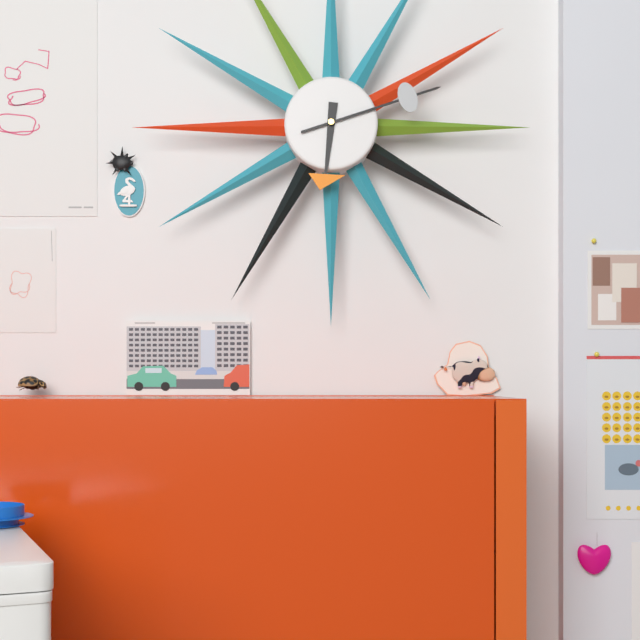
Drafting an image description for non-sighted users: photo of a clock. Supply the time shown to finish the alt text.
6:12
